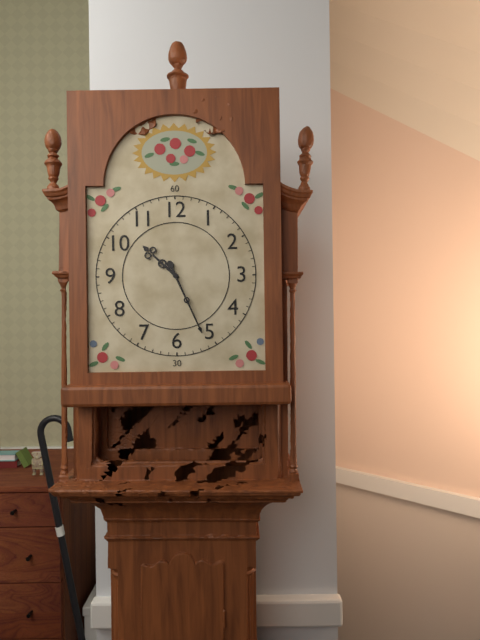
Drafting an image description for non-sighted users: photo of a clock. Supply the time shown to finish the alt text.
10:26
